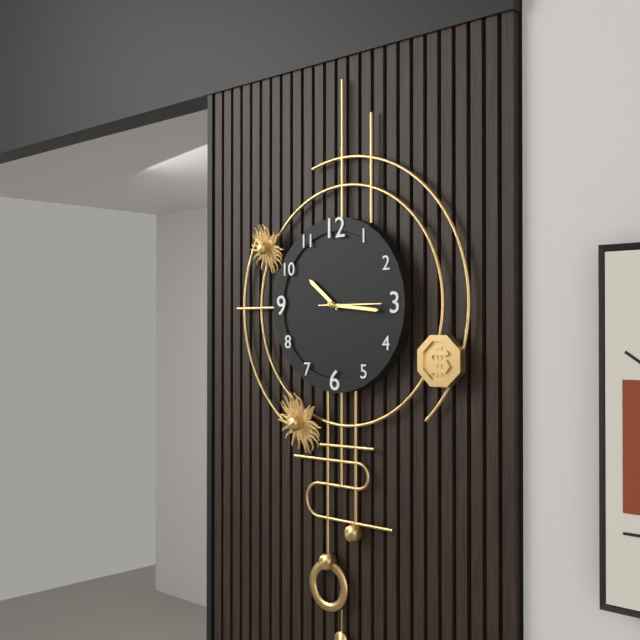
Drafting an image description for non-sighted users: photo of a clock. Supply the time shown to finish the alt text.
10:16:15
